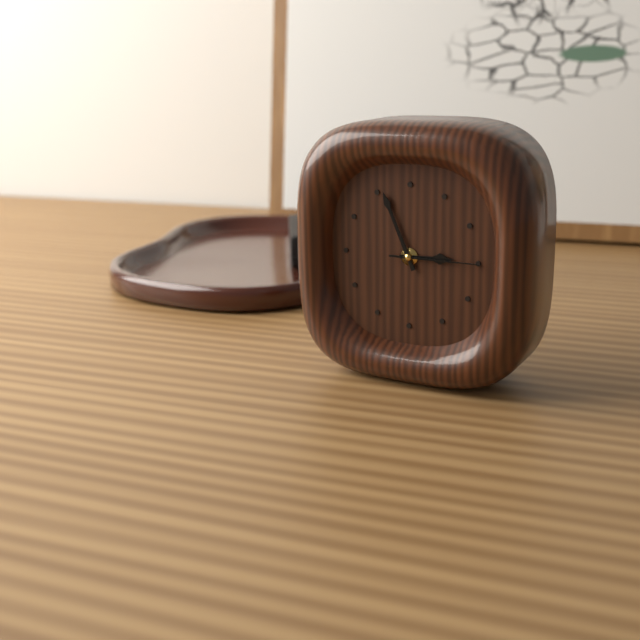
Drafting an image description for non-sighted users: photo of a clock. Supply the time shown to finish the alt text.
2:56:15
